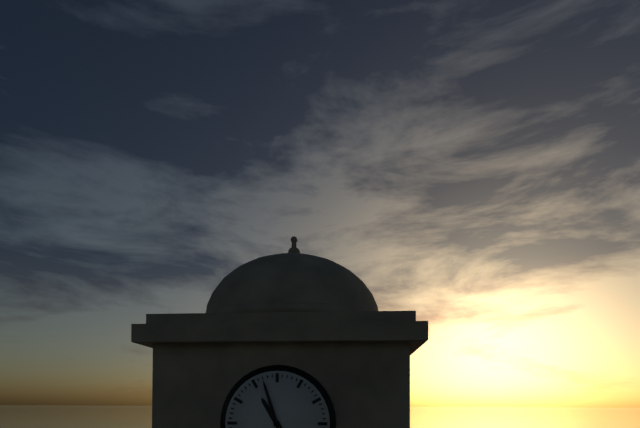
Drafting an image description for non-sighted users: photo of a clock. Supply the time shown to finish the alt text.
10:57
